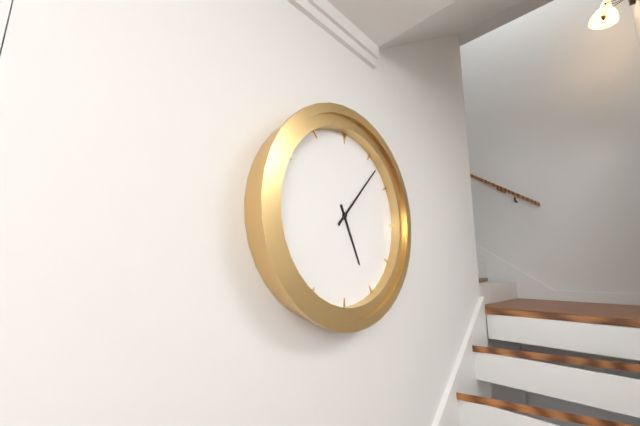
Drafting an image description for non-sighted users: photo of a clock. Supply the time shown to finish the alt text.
5:07
